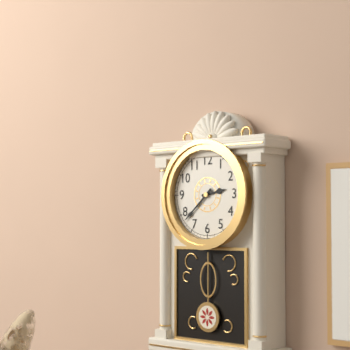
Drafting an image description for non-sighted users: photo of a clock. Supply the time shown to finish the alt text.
2:38
